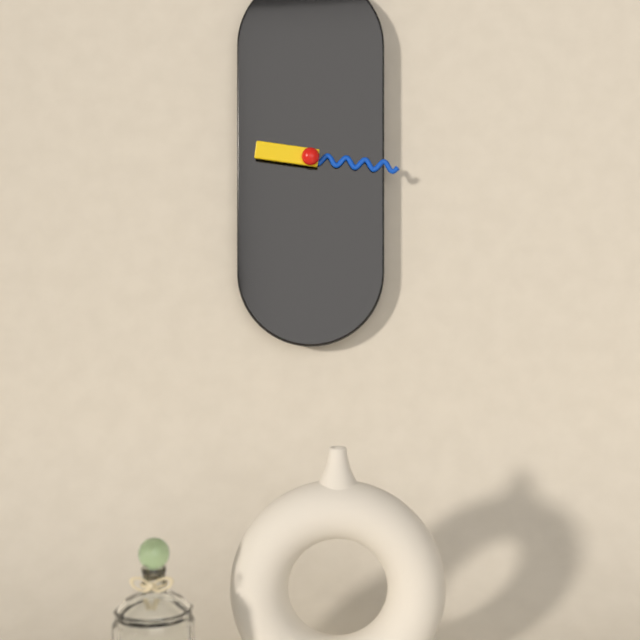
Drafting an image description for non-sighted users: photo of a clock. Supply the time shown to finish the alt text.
9:16
